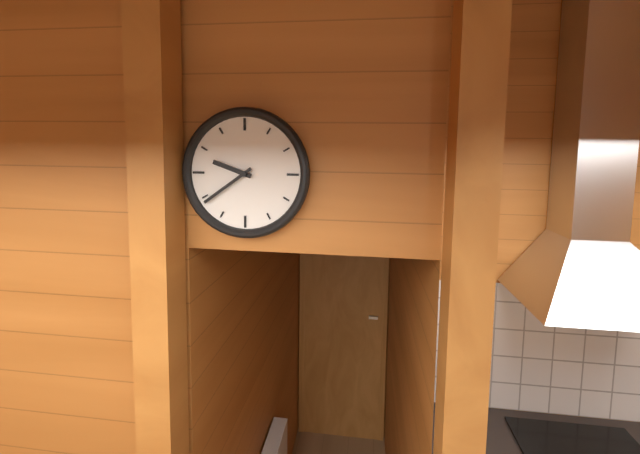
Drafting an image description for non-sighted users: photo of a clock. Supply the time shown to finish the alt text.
9:39
